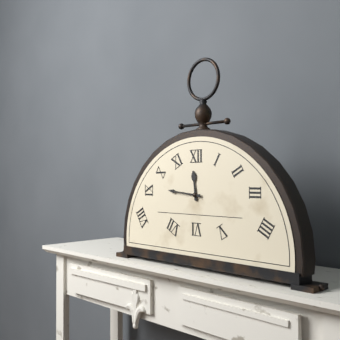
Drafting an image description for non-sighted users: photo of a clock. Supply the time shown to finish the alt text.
11:46
